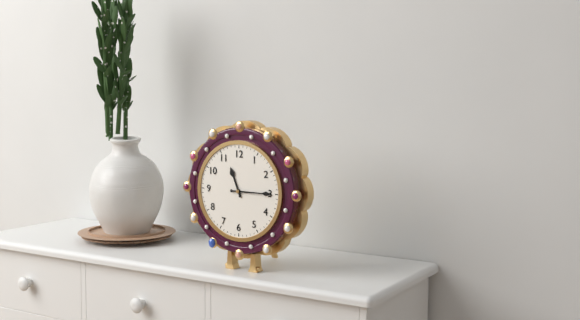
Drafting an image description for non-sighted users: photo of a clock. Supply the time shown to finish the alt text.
11:15
